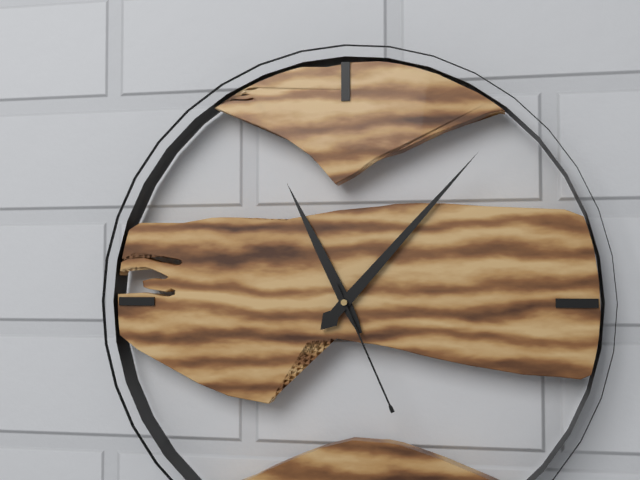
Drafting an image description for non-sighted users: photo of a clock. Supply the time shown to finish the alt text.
11:07:26
